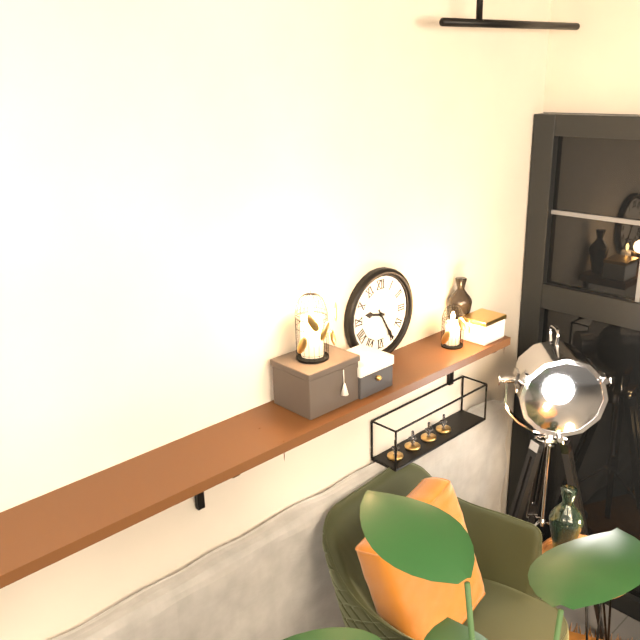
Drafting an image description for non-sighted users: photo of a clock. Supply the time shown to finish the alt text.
9:25
